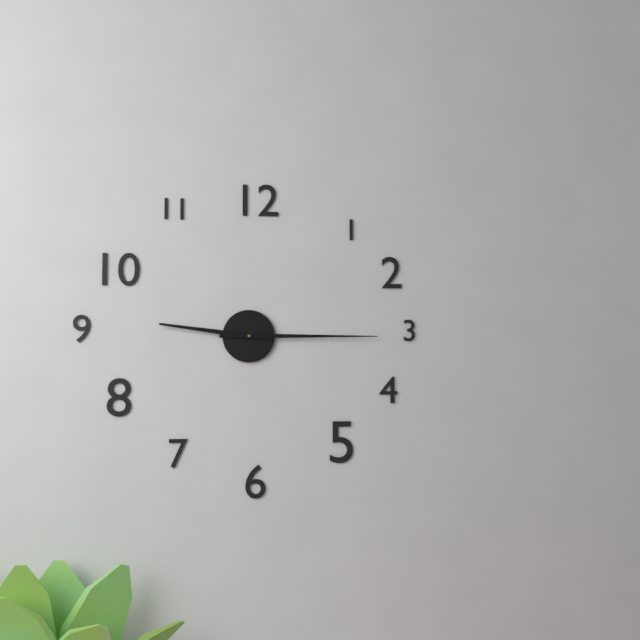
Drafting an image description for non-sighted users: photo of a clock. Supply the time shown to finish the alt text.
9:15
